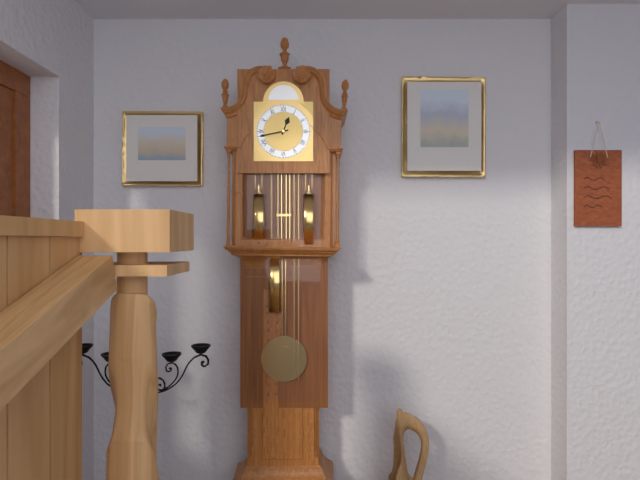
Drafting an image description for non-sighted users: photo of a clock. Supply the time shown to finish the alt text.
12:43
